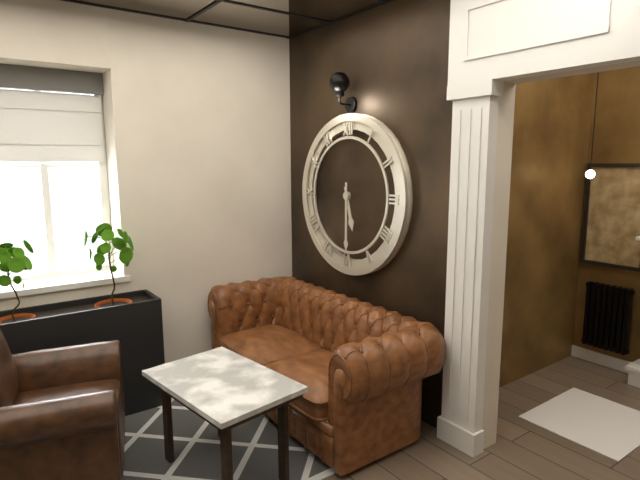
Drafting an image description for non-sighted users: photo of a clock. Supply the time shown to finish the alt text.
5:30
